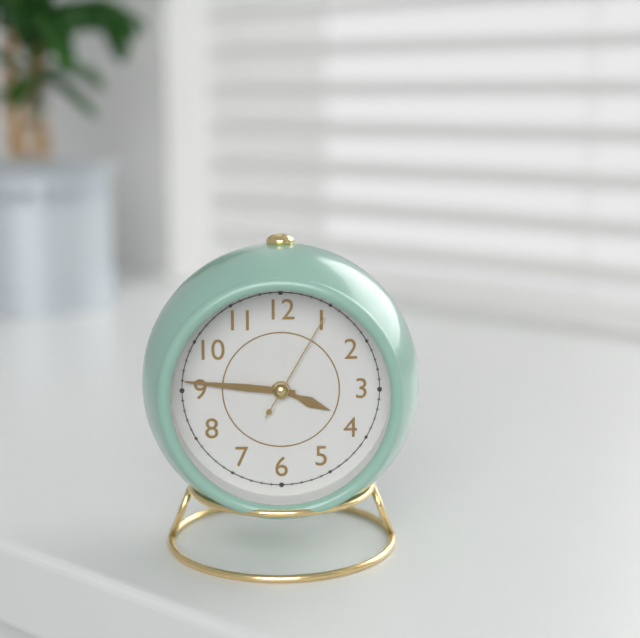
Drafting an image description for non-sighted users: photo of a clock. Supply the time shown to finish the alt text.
3:46:05
